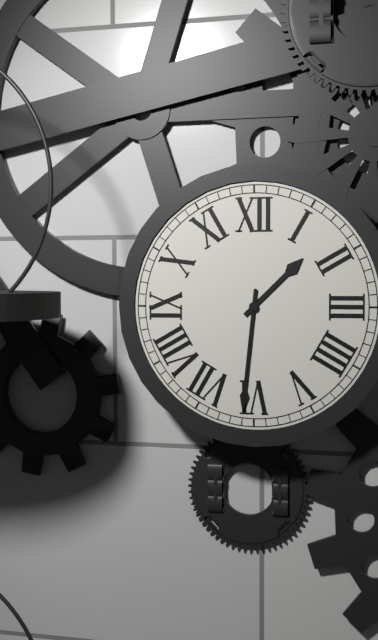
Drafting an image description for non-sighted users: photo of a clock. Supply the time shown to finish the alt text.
1:31
